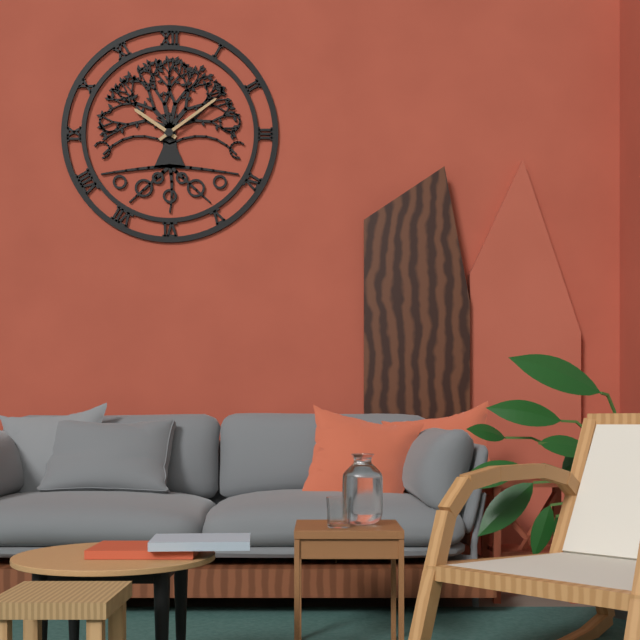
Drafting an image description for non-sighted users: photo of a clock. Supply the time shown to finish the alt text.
10:09
